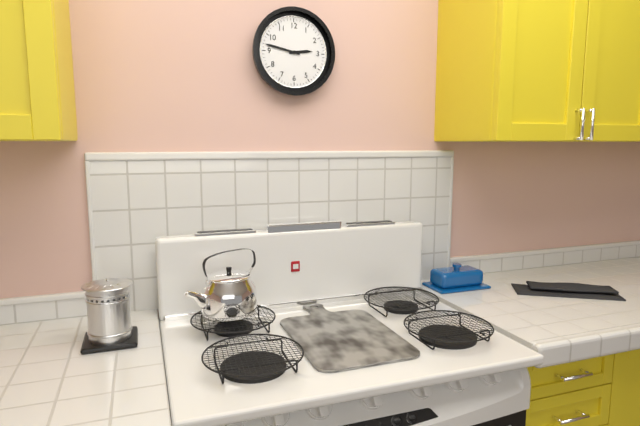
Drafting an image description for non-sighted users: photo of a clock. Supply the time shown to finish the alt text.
2:47
